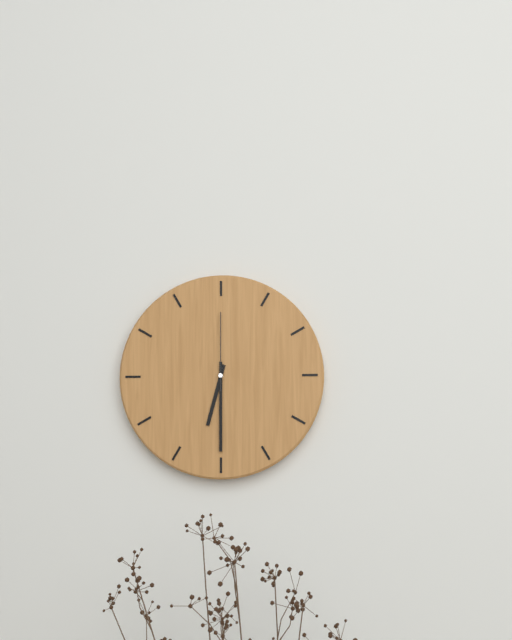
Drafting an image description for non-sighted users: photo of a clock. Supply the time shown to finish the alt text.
6:30:00
